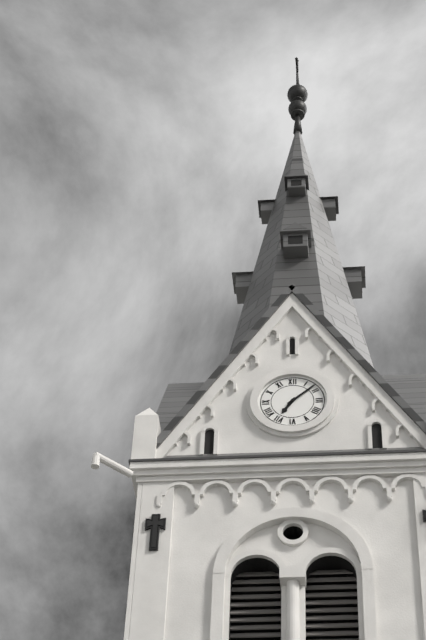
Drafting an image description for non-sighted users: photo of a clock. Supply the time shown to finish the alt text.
7:08
